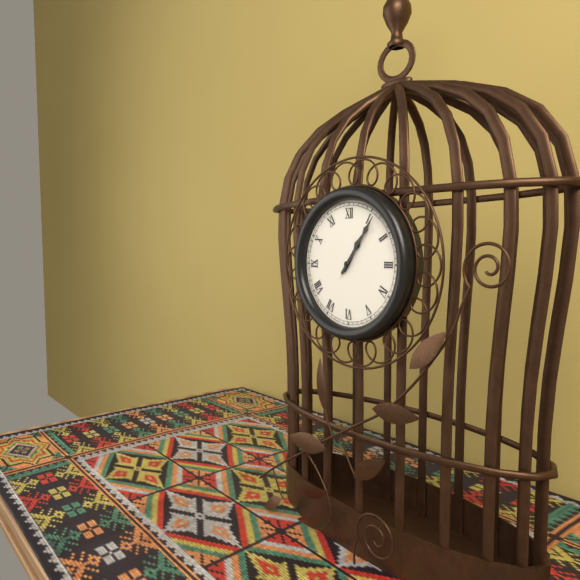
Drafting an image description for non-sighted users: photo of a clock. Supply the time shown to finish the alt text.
1:06
